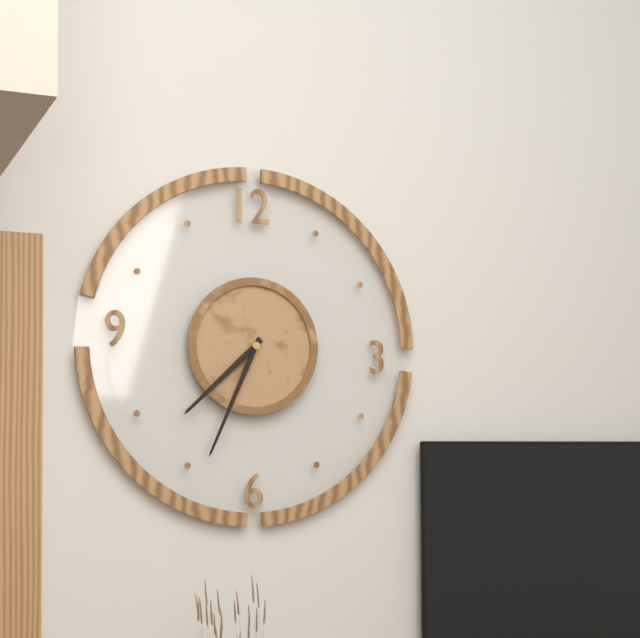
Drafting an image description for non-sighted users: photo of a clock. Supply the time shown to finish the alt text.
7:34
